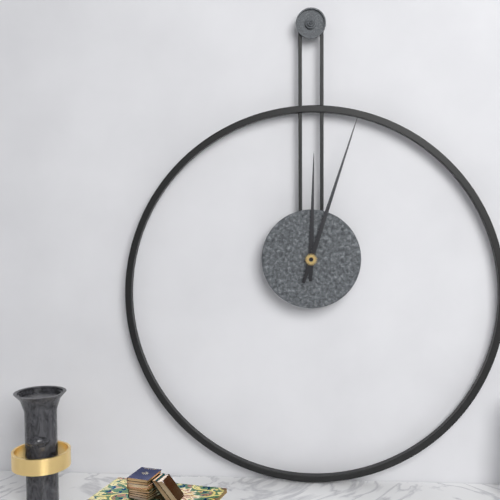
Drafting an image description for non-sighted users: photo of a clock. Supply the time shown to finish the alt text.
12:03
